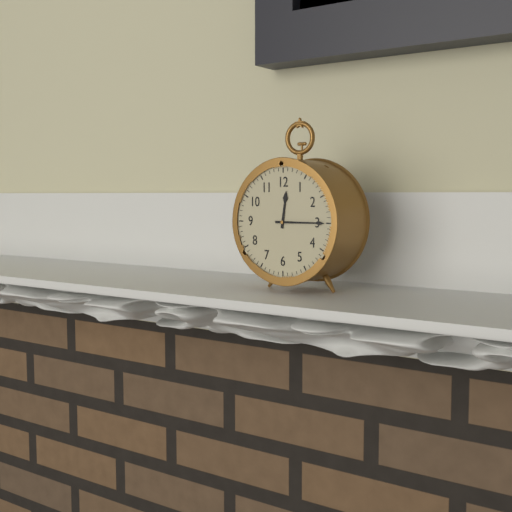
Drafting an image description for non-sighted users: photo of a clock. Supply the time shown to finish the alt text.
12:15
